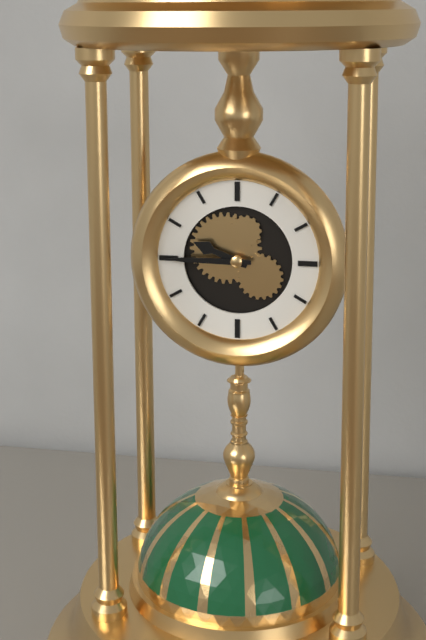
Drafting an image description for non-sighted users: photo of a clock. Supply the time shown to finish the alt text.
9:45
